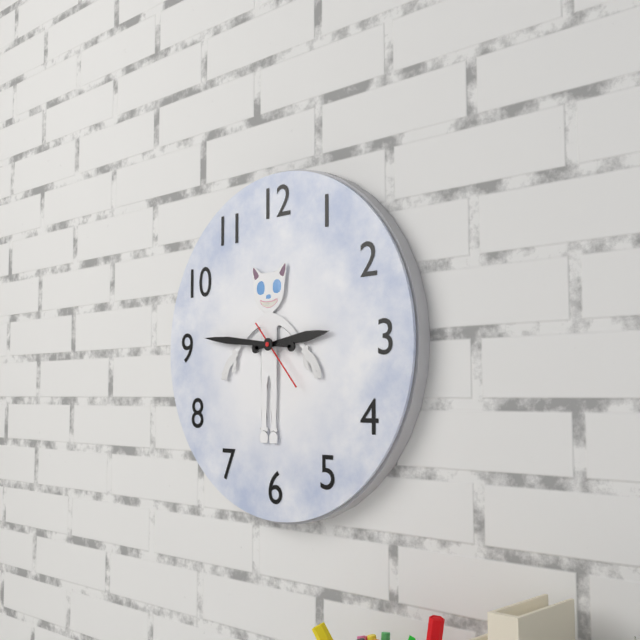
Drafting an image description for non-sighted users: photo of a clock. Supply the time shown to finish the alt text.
2:46:23
